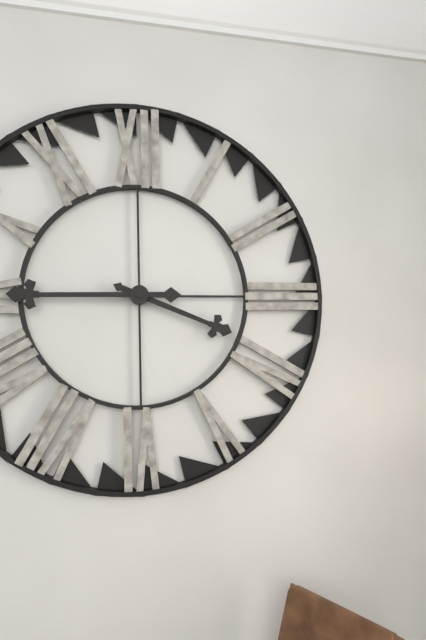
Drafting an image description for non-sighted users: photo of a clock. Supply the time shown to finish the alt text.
3:45
